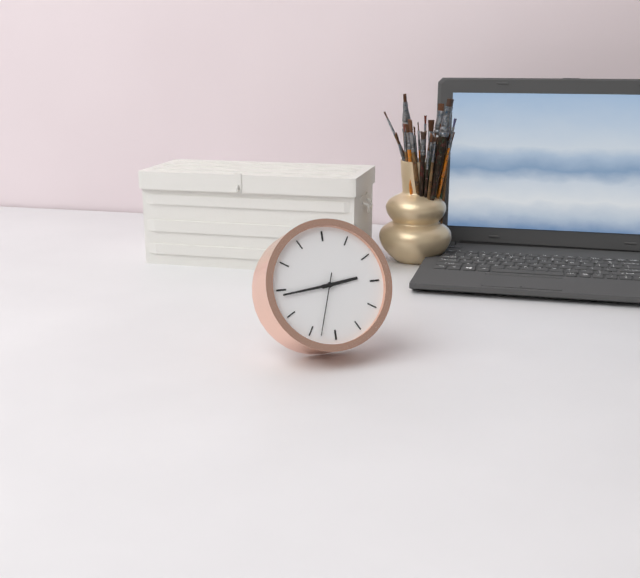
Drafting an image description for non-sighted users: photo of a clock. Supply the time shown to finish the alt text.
2:44:33
